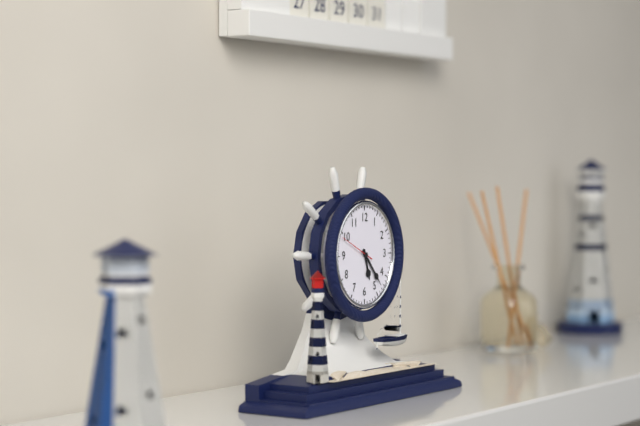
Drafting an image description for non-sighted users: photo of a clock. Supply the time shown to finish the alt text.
5:23
